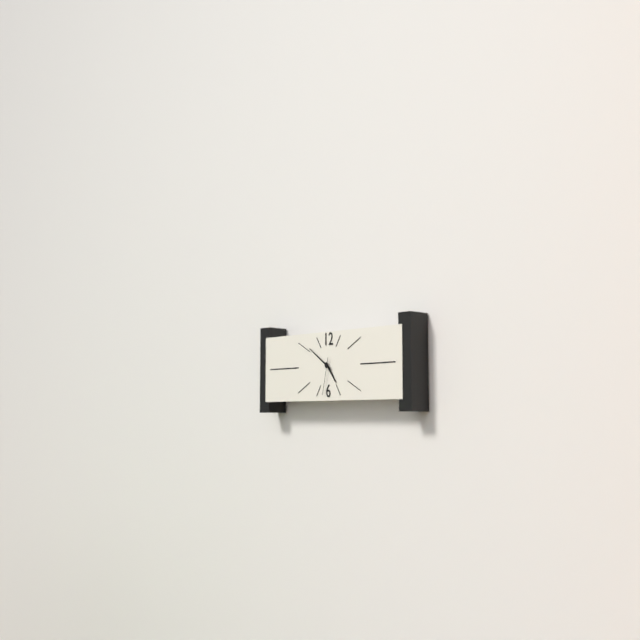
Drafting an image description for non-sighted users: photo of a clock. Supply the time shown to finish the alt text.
4:51
